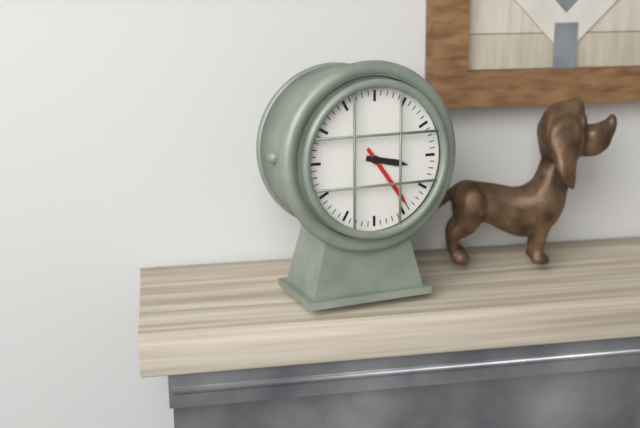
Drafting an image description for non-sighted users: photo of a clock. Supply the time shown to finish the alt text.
3:24
